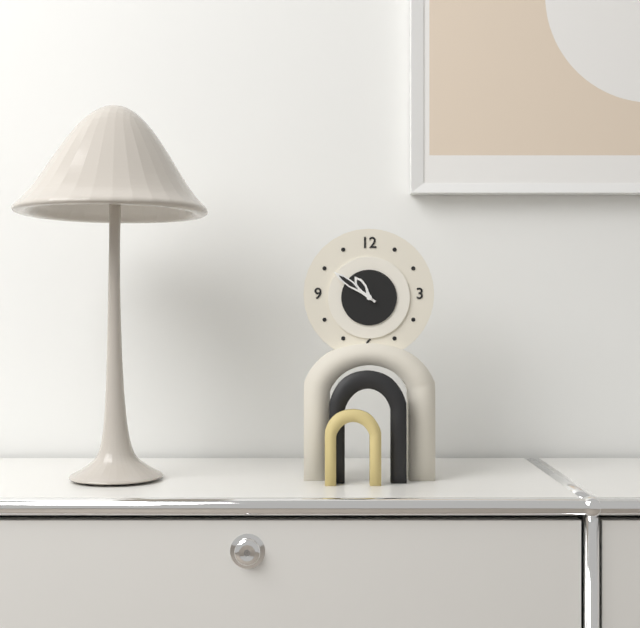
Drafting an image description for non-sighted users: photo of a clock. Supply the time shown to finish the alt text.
10:51
